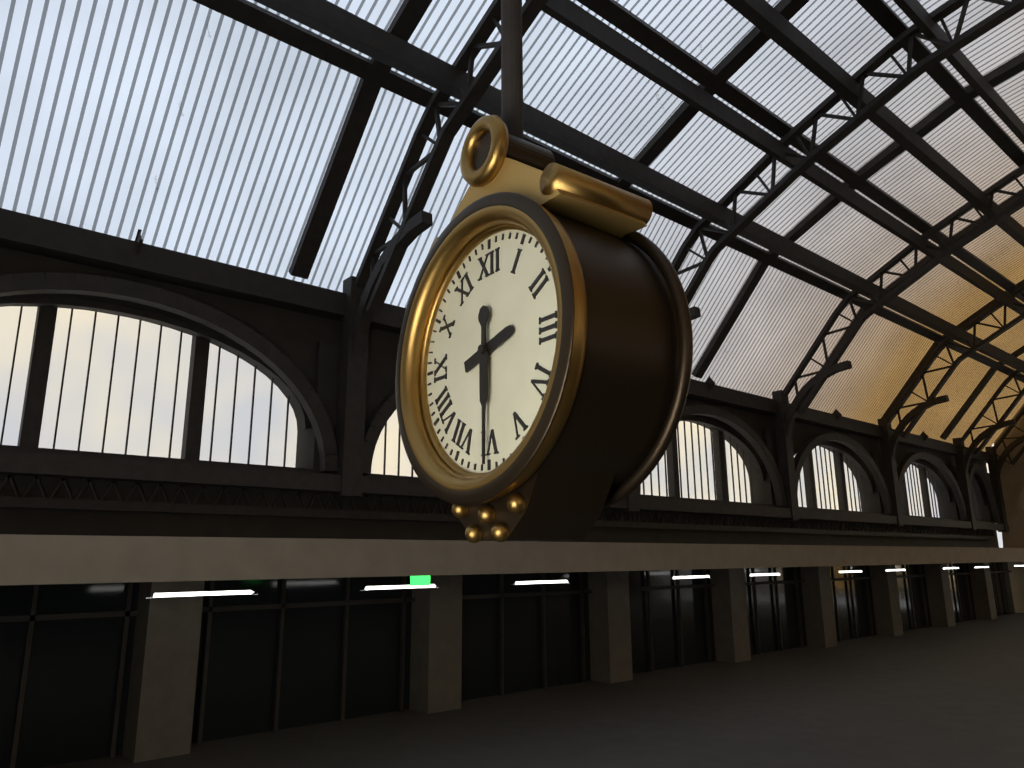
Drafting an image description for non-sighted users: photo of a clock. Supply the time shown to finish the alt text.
2:30
